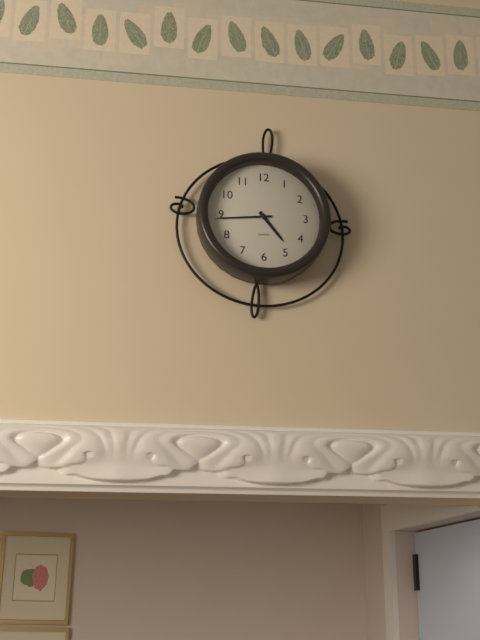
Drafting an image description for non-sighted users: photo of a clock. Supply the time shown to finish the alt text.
4:44
